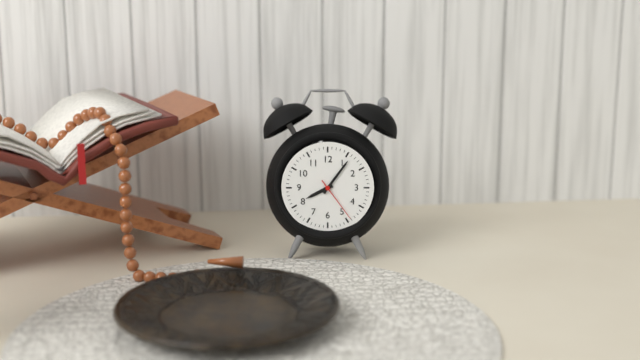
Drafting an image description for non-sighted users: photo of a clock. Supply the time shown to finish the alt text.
8:06
